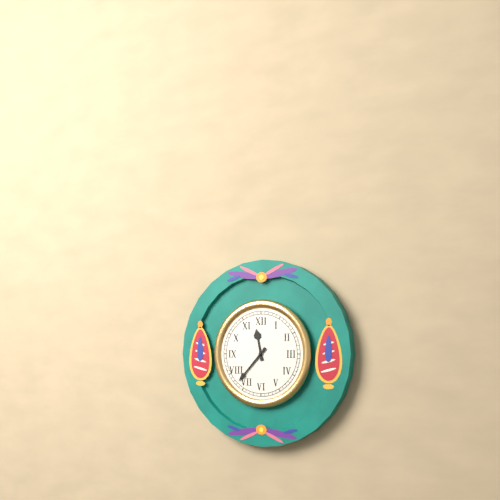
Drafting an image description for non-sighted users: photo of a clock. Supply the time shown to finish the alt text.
11:37
